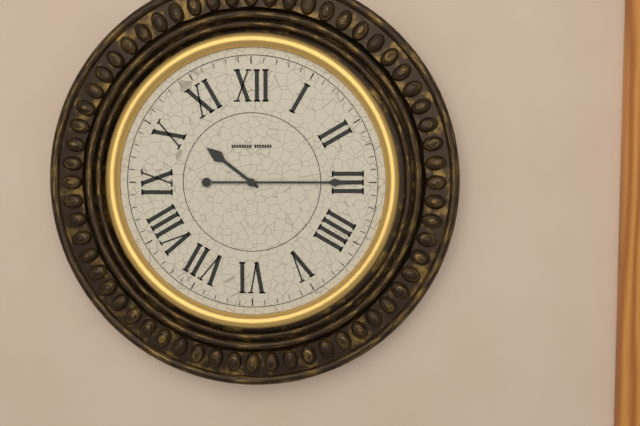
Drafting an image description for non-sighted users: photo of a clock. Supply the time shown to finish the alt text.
10:15
